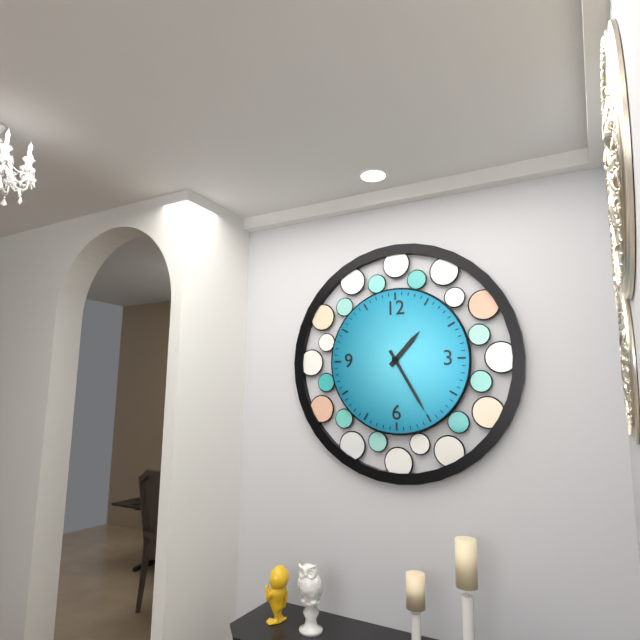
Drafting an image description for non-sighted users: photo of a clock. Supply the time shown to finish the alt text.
1:25
